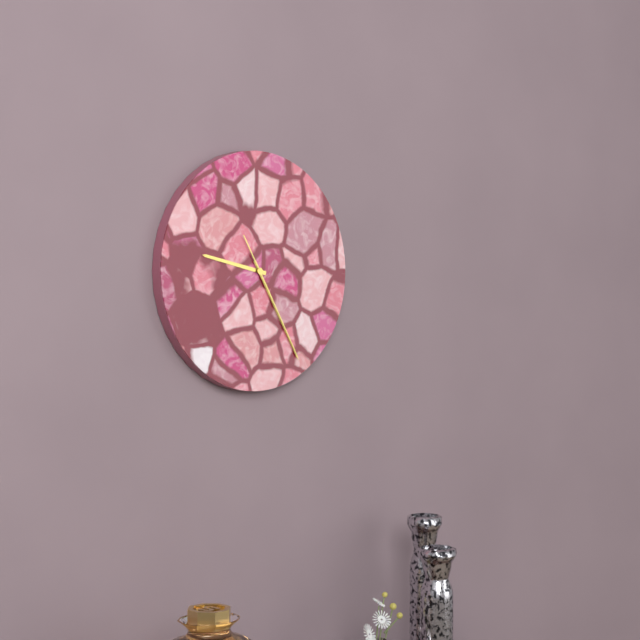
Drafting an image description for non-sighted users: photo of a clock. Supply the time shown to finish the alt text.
9:25:25
